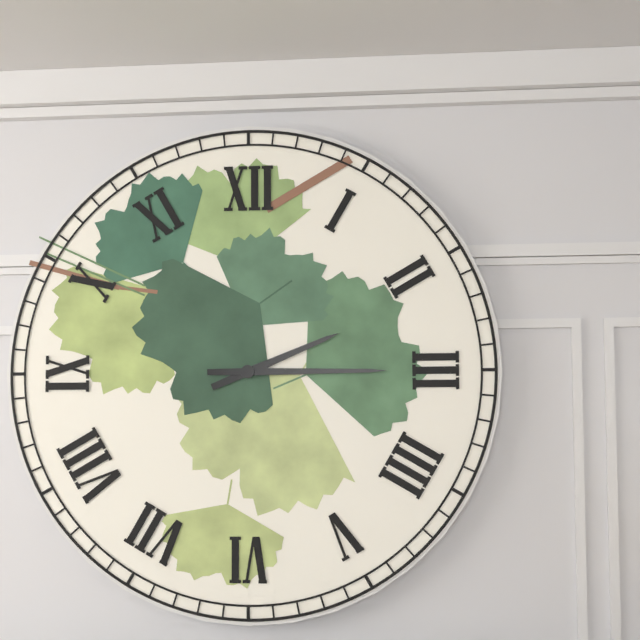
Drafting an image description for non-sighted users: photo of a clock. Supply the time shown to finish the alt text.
2:15
